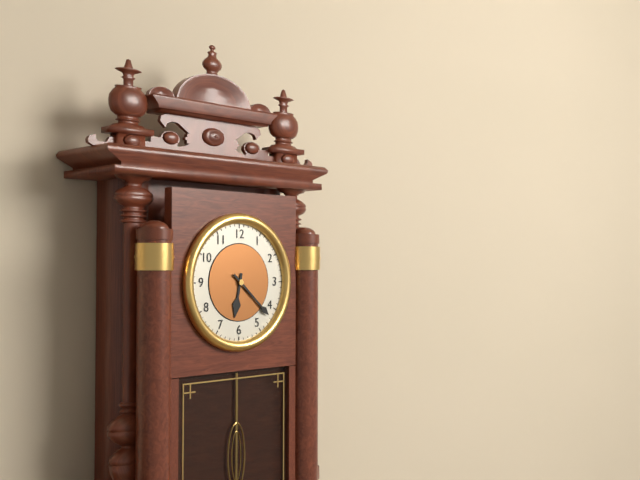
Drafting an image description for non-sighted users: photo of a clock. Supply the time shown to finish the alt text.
6:22
